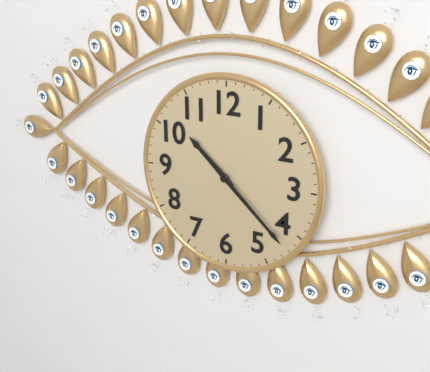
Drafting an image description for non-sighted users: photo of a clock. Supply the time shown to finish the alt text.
10:22
